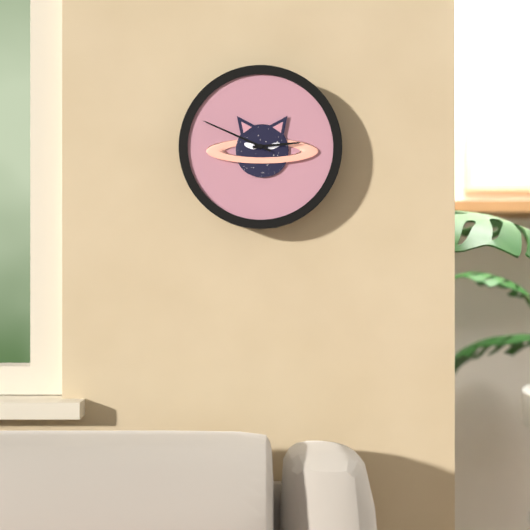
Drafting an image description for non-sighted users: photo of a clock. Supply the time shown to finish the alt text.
2:49
